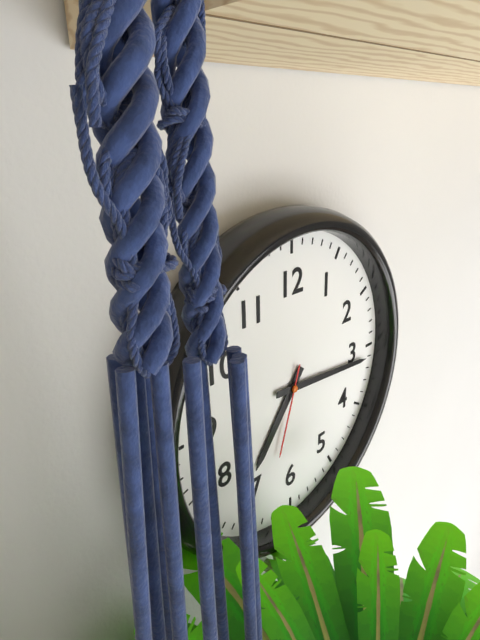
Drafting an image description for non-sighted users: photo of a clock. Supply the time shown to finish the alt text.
7:16:33
